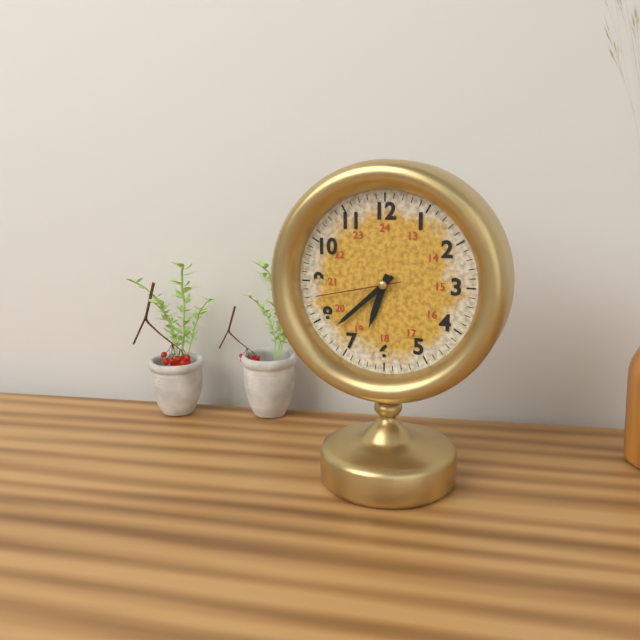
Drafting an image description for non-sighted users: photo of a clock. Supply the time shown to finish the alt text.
6:38:43
